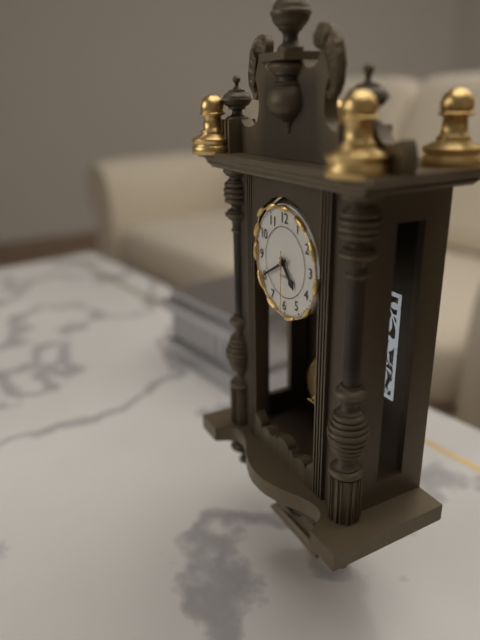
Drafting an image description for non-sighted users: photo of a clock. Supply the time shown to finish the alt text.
4:40:30
